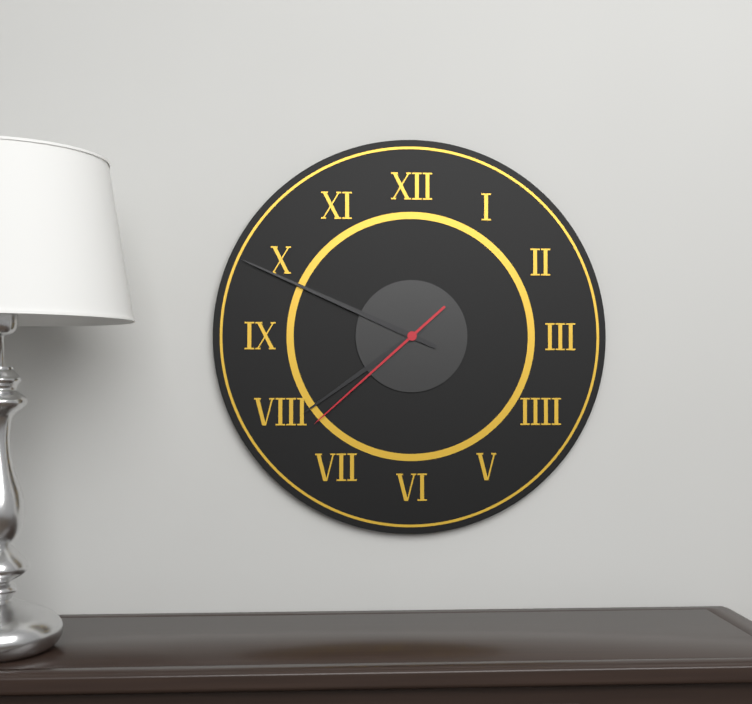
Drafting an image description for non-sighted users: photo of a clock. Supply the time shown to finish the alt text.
7:49:38
